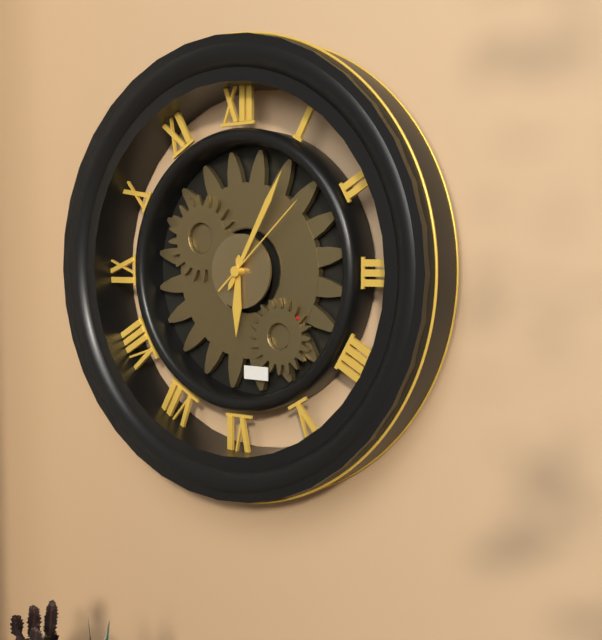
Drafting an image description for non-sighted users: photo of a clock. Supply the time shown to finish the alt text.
6:05:08
